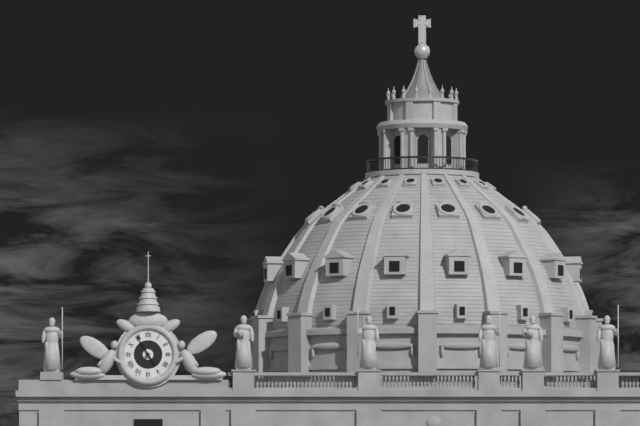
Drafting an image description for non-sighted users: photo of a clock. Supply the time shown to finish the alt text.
4:55
